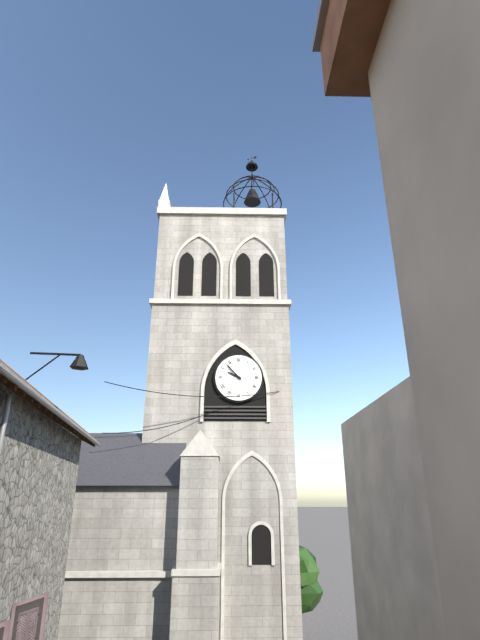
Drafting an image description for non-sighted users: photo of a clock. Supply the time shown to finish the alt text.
9:53
